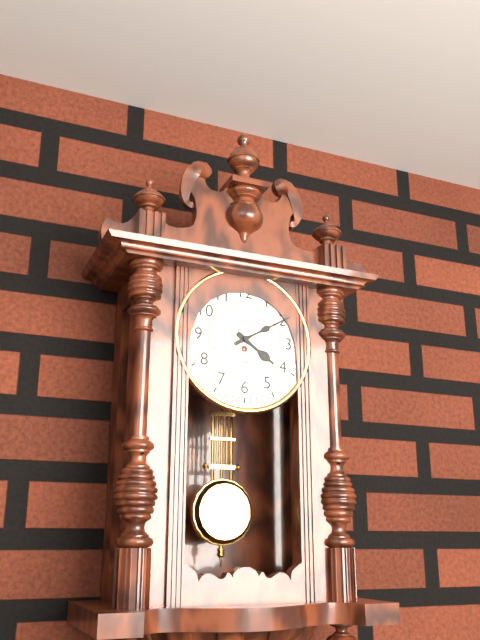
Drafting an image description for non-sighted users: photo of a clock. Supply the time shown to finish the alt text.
4:10
